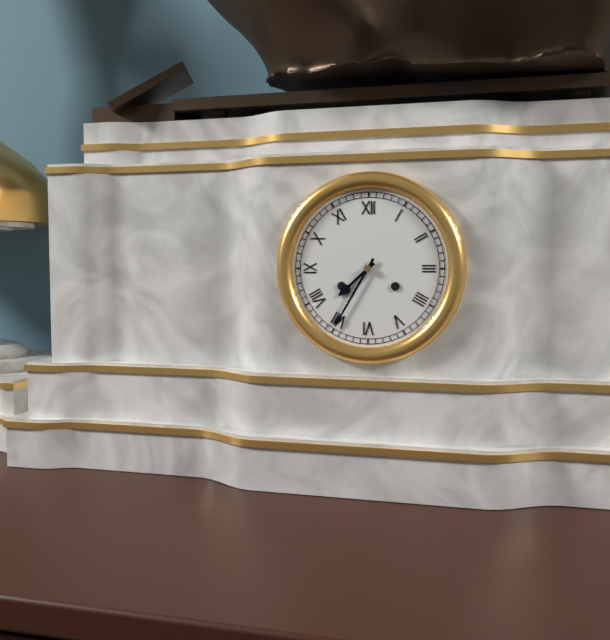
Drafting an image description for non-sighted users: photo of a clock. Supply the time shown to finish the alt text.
7:35
